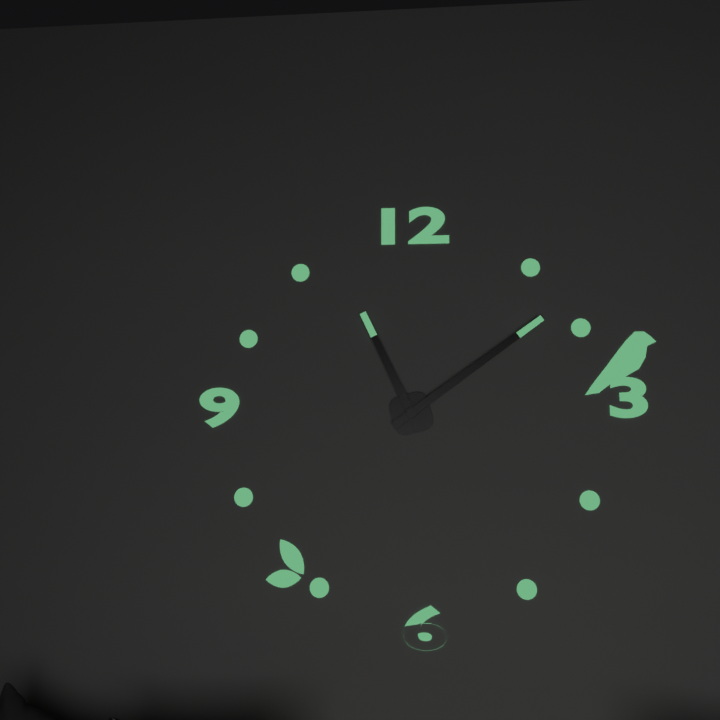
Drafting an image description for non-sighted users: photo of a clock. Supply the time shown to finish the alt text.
11:09
